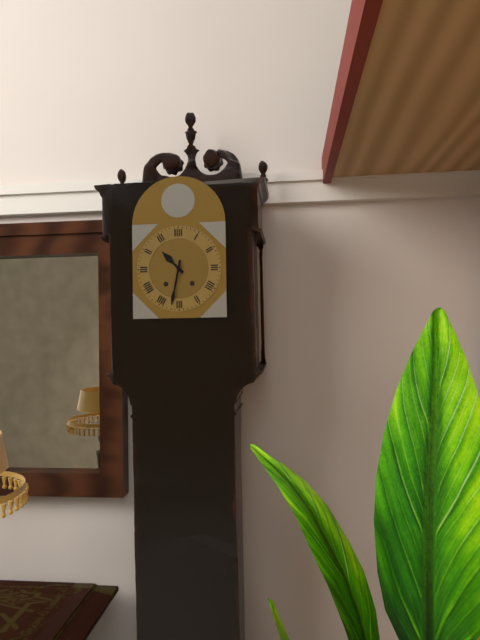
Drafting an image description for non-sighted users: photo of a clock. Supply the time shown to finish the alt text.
10:32
